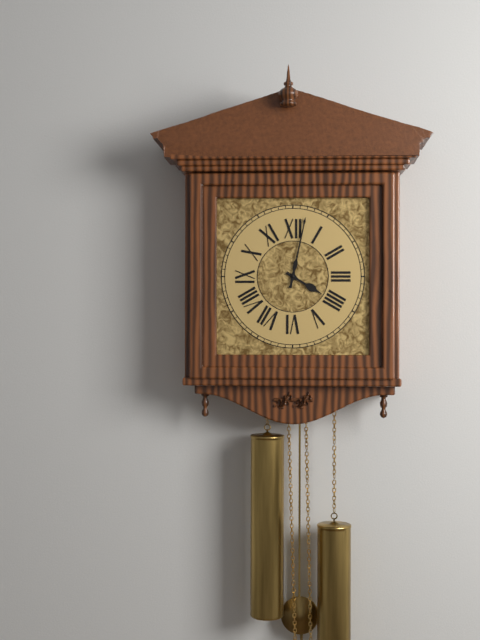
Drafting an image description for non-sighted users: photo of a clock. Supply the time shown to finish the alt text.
4:02
